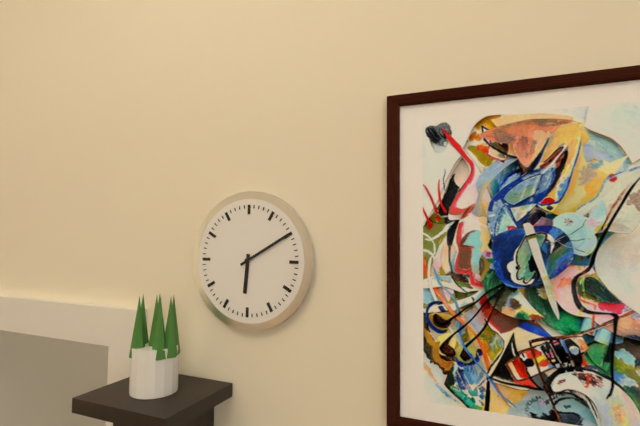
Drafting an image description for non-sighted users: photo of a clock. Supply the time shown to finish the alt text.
6:10
